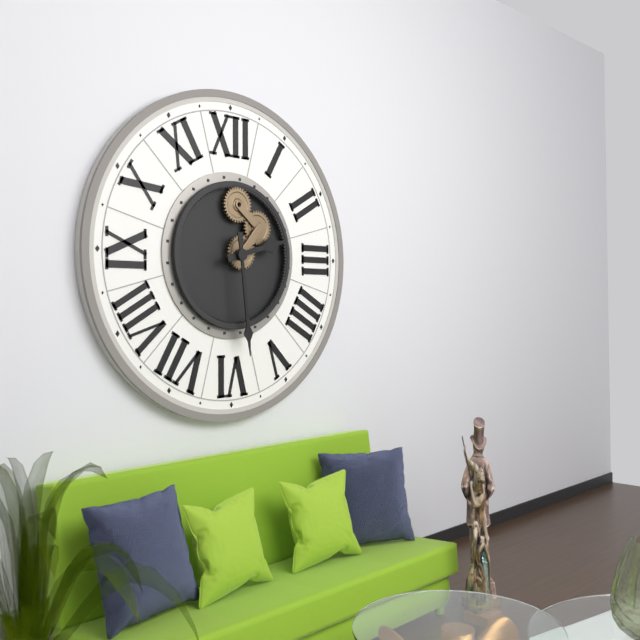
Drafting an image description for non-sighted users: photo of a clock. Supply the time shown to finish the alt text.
2:29
